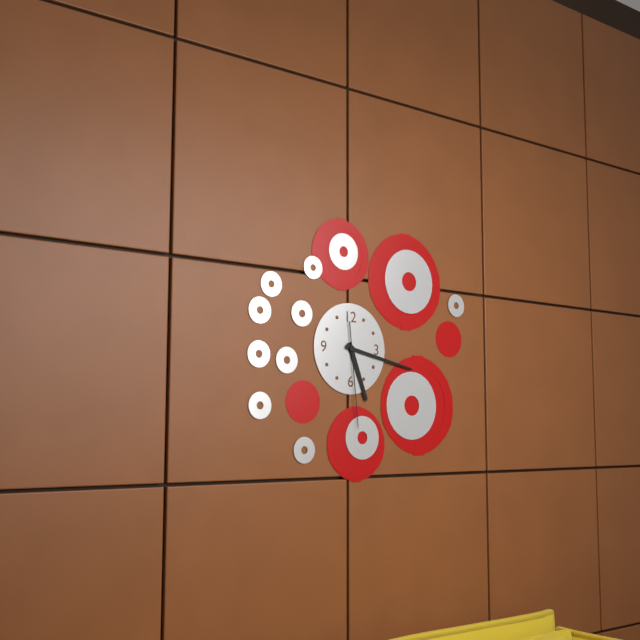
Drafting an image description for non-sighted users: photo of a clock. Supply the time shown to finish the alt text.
5:17:29
